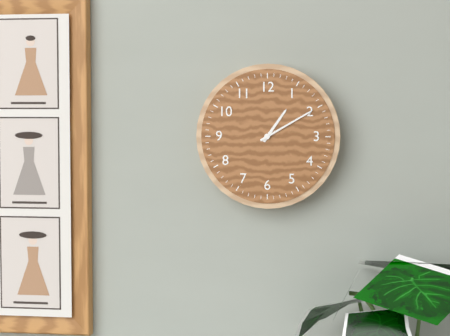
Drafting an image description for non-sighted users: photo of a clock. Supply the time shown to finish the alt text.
1:10
